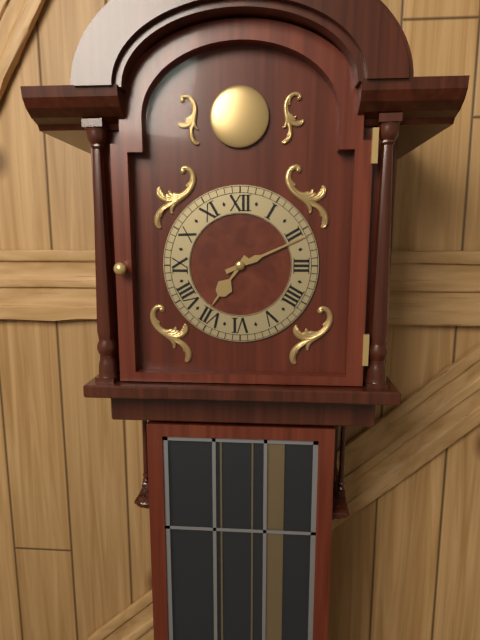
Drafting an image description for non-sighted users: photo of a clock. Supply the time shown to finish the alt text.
7:11
